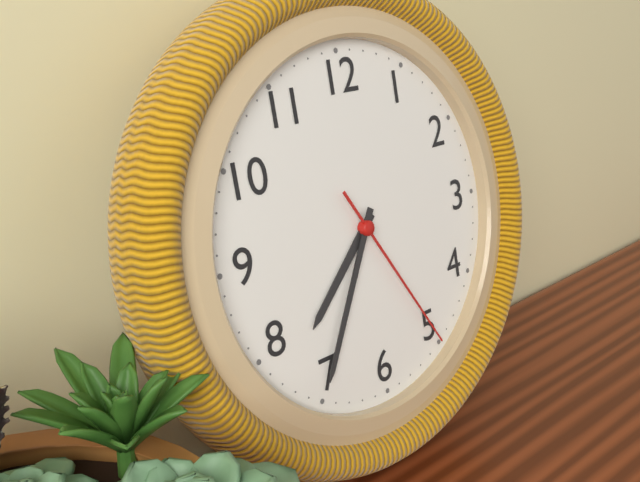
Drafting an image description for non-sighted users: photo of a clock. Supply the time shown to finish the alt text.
7:35:25
